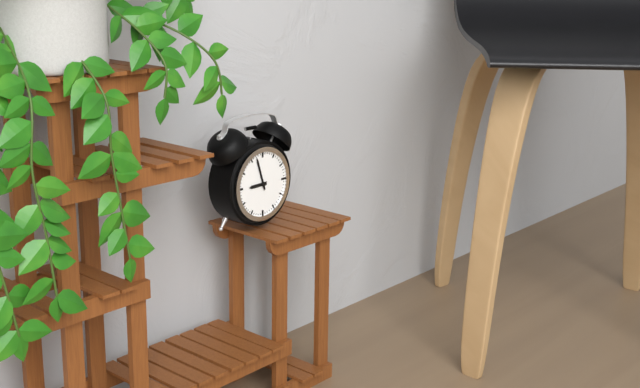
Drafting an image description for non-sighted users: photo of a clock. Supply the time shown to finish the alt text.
8:57
